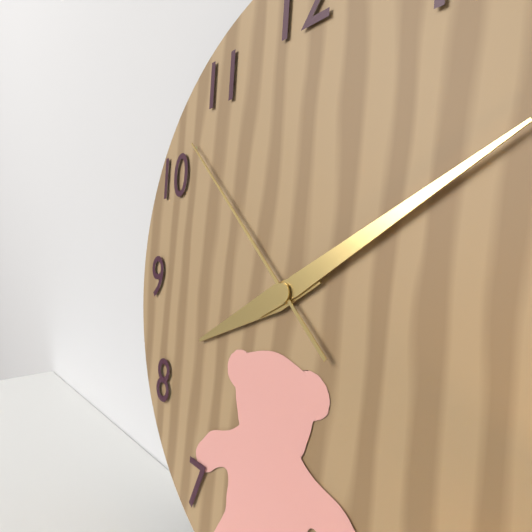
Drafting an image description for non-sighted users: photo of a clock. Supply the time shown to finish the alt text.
8:10:52
